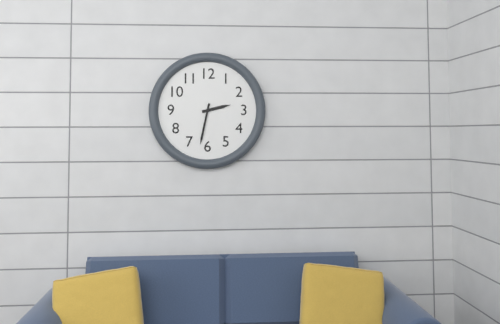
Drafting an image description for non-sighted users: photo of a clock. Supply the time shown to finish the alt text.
2:32
